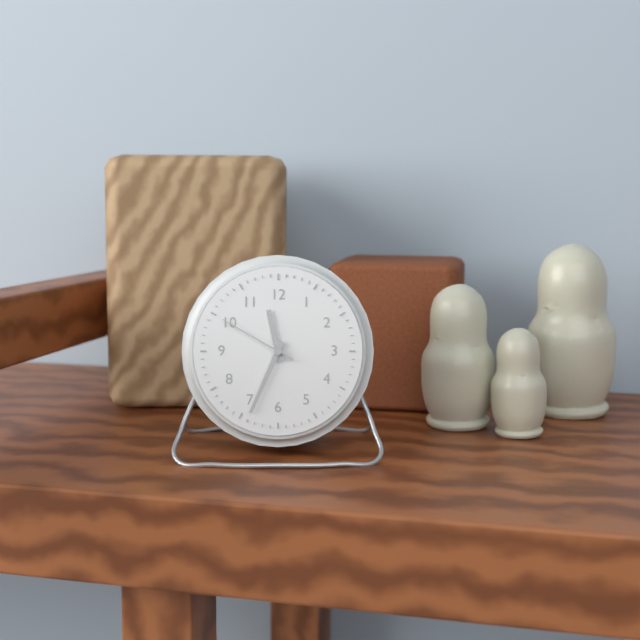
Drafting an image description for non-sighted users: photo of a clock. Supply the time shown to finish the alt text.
11:34:50
